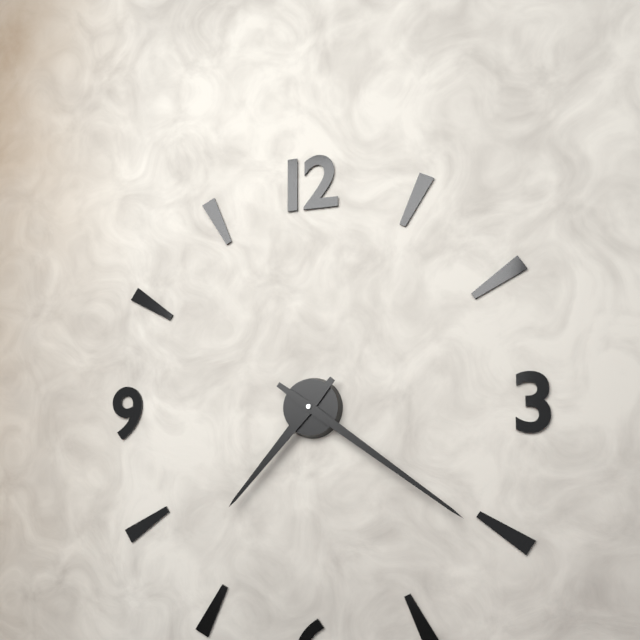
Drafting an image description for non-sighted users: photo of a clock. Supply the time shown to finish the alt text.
7:21
